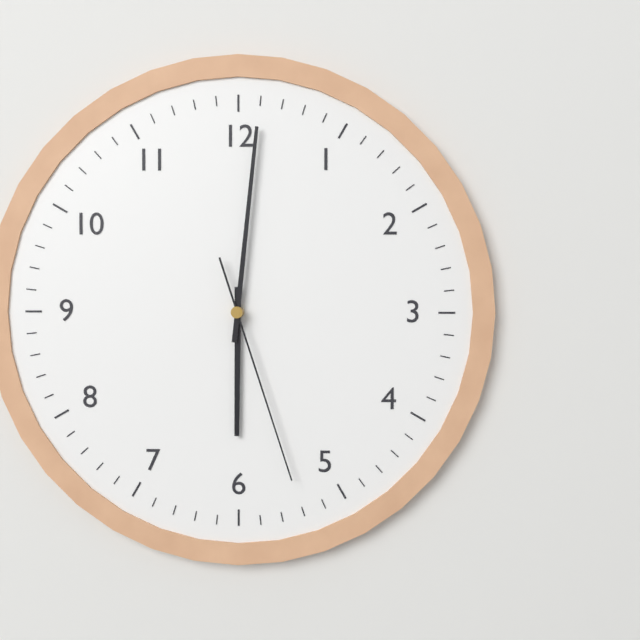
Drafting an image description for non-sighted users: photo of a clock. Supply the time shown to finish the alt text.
6:01:27
